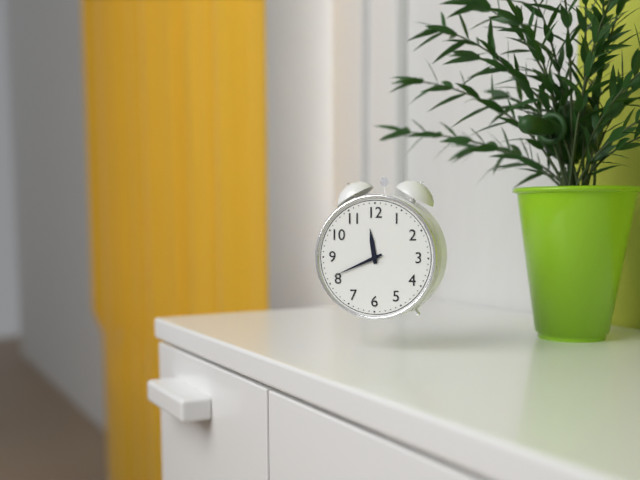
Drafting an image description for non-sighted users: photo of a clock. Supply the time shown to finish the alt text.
11:41
